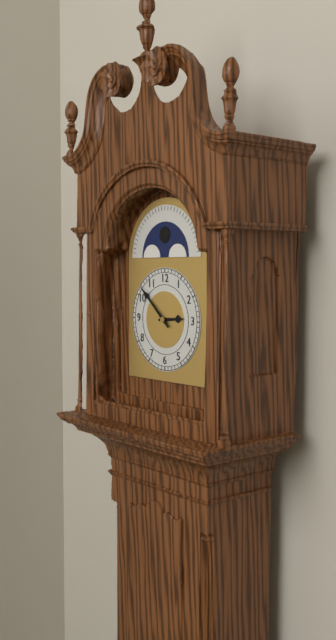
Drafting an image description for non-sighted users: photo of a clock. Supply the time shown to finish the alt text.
2:52
